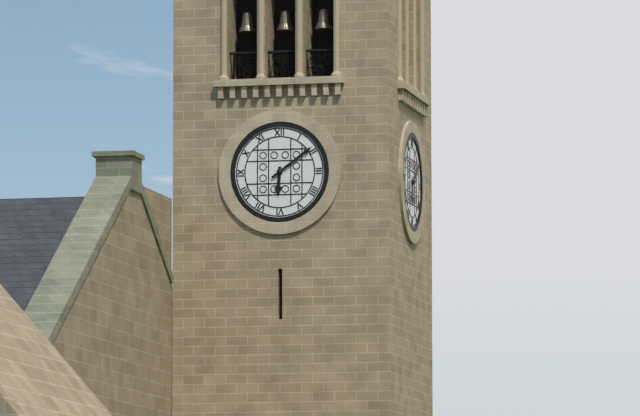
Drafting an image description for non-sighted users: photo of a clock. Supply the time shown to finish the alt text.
6:09
